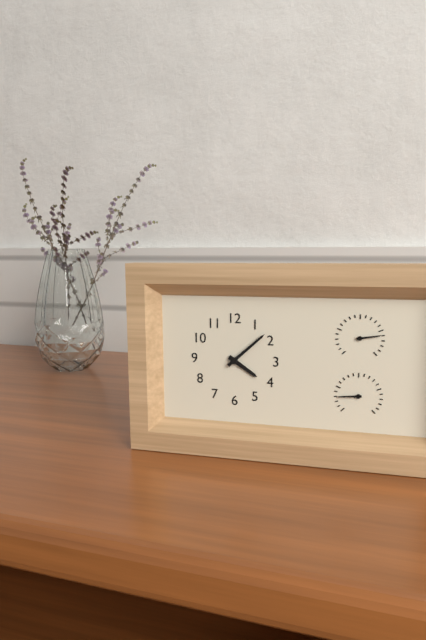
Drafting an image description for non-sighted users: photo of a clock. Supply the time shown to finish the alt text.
4:08
